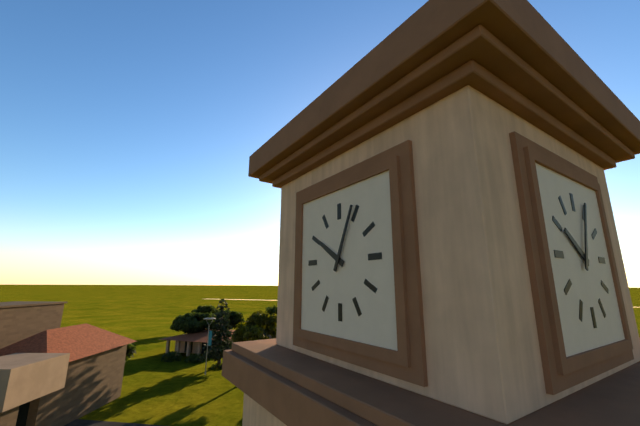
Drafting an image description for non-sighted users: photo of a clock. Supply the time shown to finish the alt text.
10:04
